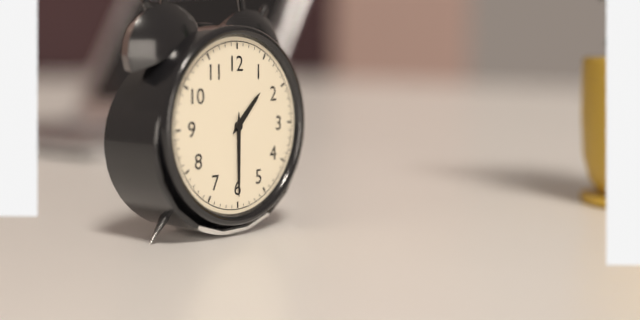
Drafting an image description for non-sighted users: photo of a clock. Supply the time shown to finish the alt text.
1:30
